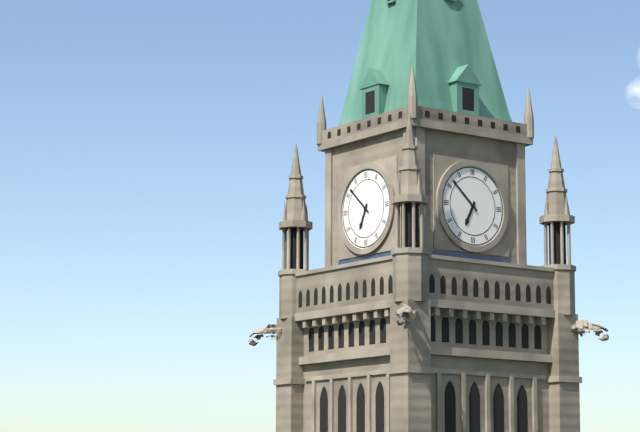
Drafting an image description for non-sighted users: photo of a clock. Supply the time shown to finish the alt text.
6:52
